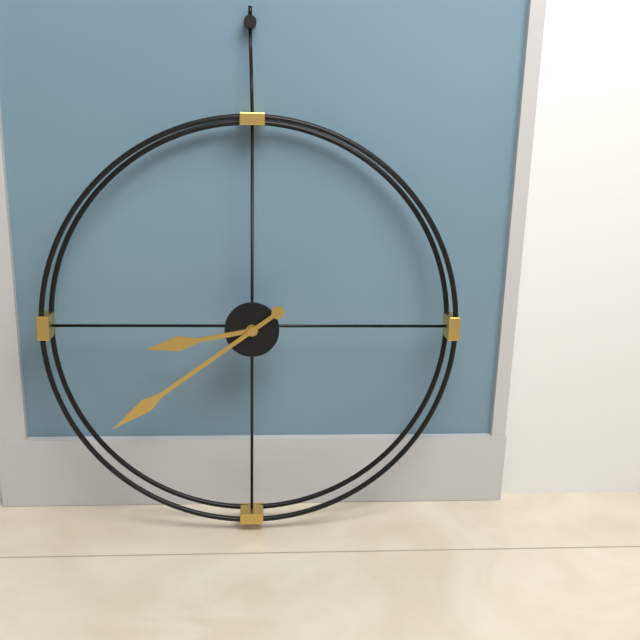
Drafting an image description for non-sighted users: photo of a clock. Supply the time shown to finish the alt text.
8:39
